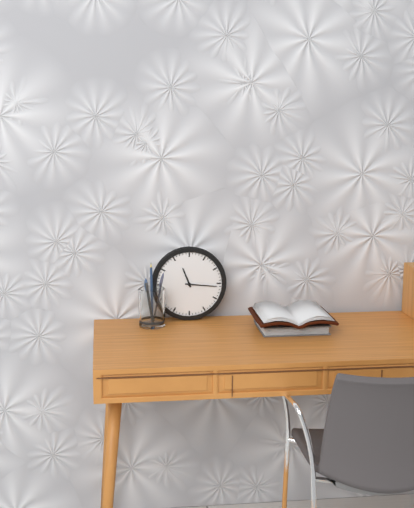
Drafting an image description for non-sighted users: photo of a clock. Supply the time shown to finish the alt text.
11:16
